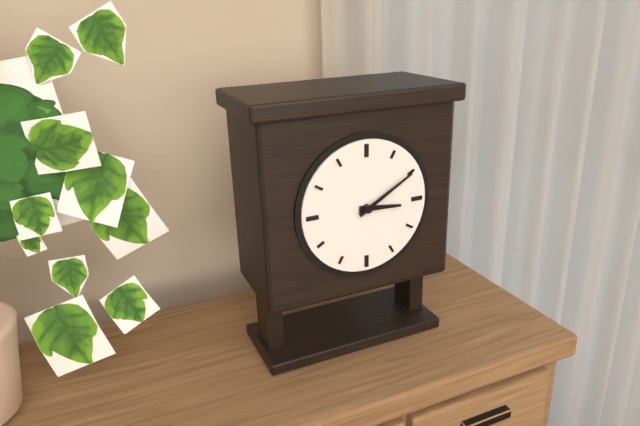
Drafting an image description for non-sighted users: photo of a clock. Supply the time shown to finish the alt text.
3:10
